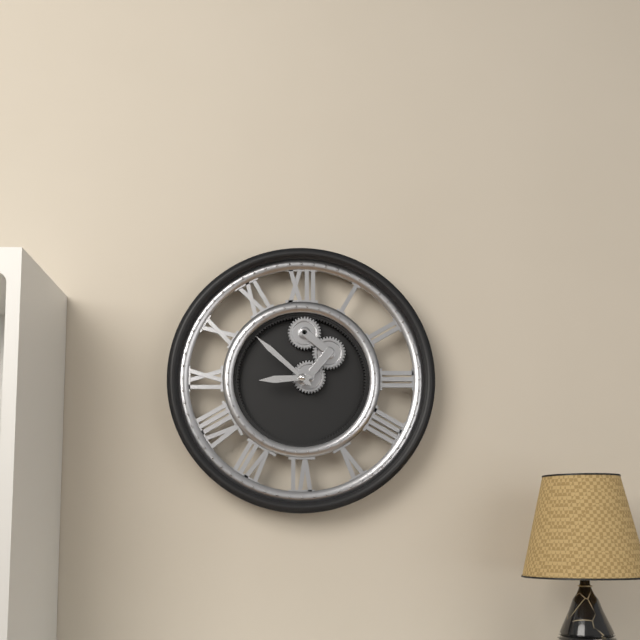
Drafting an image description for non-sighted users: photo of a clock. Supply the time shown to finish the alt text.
8:52
